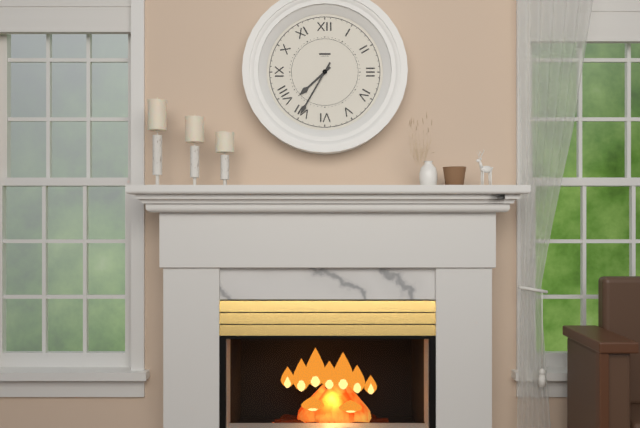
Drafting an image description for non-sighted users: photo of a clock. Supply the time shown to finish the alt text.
7:35
